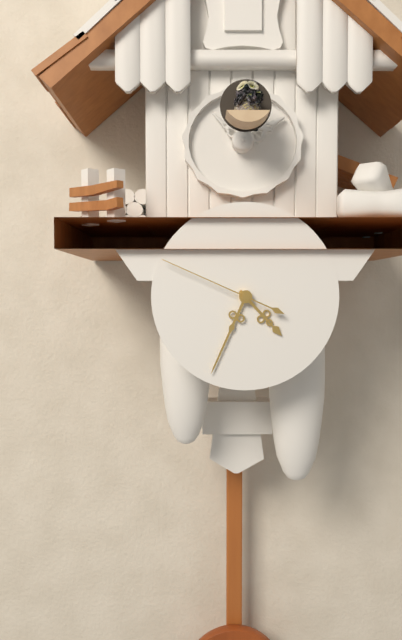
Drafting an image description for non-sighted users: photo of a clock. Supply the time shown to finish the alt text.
4:34:49
